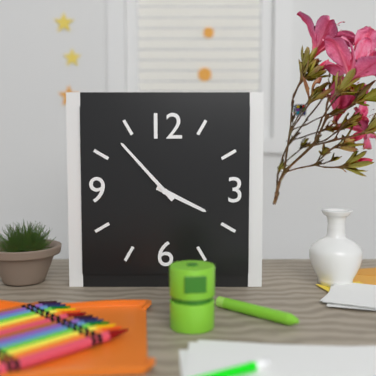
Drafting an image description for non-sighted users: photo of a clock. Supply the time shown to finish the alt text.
3:53
